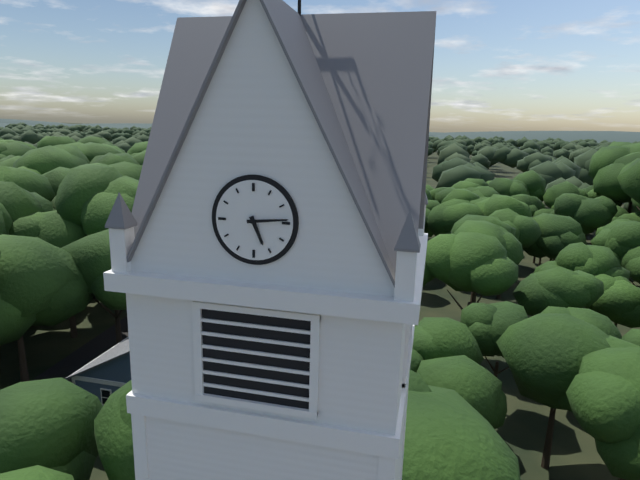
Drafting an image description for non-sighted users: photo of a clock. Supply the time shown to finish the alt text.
5:14
